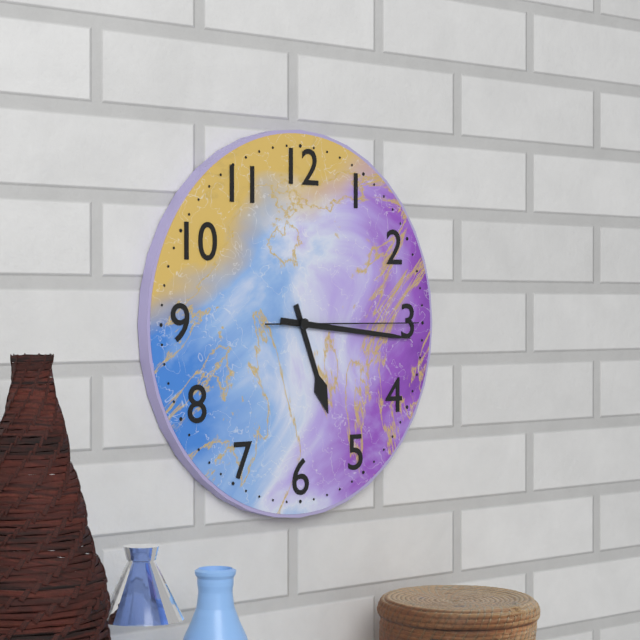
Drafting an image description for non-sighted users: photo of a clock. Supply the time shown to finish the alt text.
5:16:15
